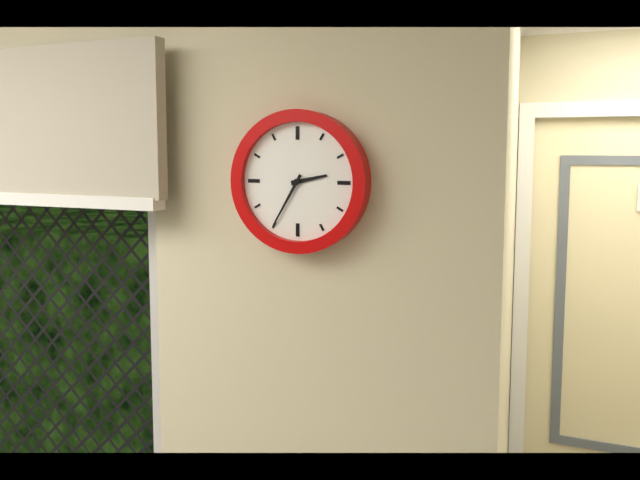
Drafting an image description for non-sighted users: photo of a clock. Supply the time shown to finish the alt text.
2:35
